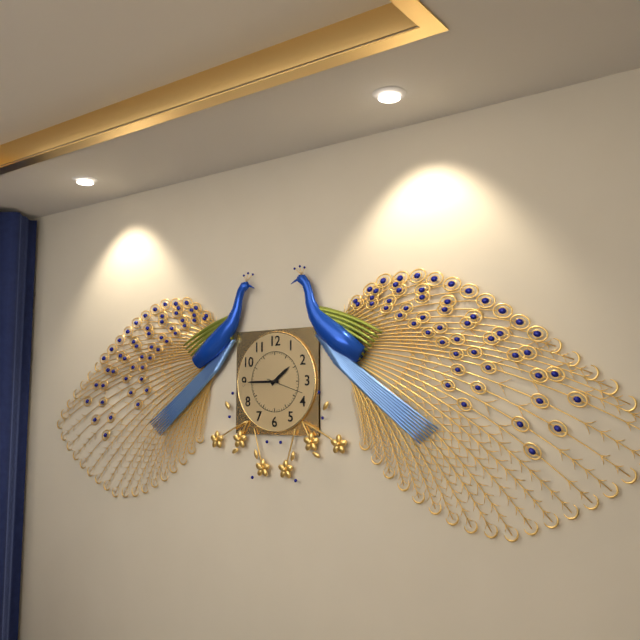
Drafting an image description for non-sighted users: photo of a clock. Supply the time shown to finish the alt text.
1:45
